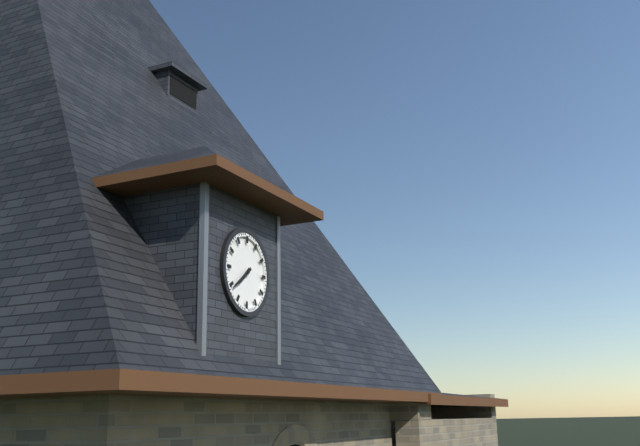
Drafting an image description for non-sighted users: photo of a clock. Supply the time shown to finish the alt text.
7:39
